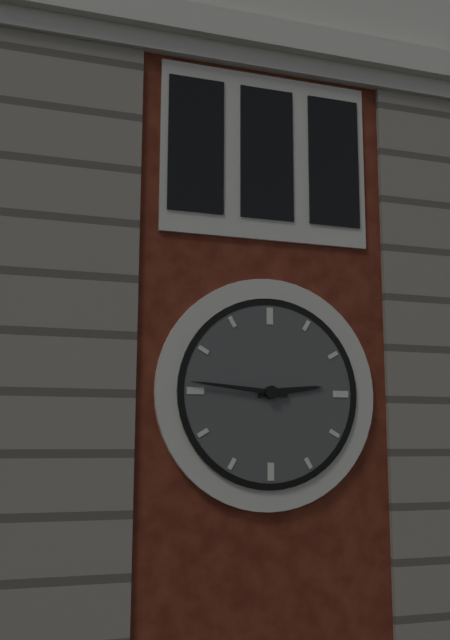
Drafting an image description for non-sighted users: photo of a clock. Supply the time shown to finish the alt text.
2:46
